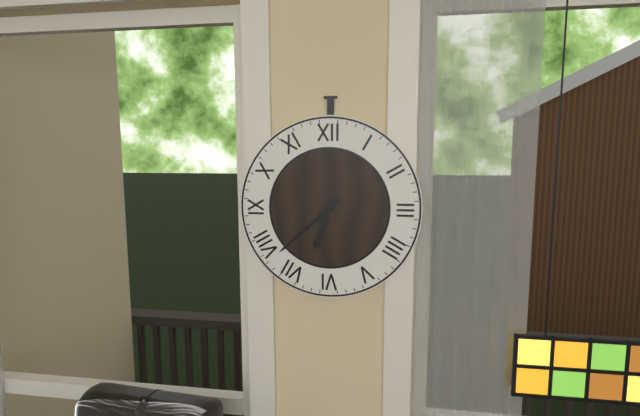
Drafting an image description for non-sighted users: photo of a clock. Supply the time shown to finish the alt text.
6:38
